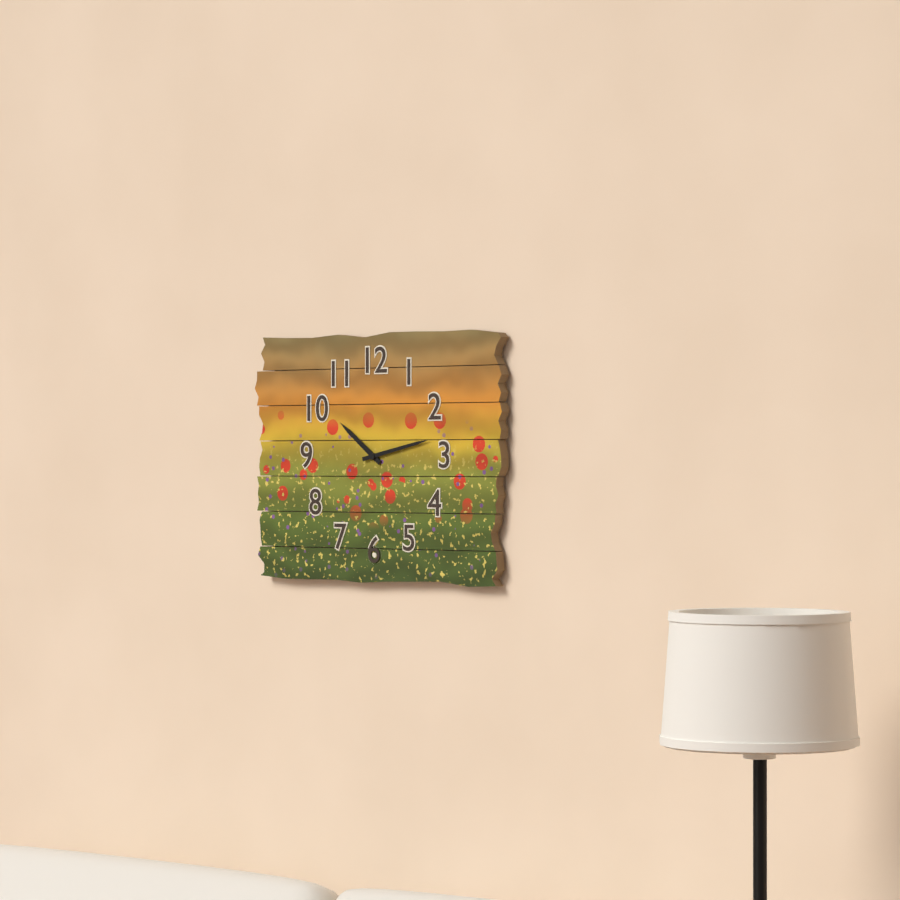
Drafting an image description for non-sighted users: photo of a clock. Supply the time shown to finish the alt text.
10:13
